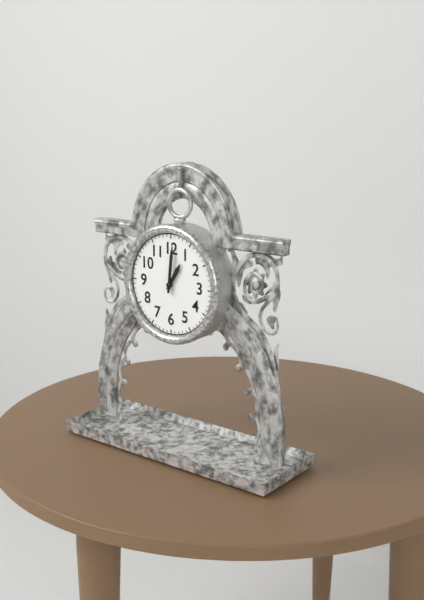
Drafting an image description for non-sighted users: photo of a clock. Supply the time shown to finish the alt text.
1:01
